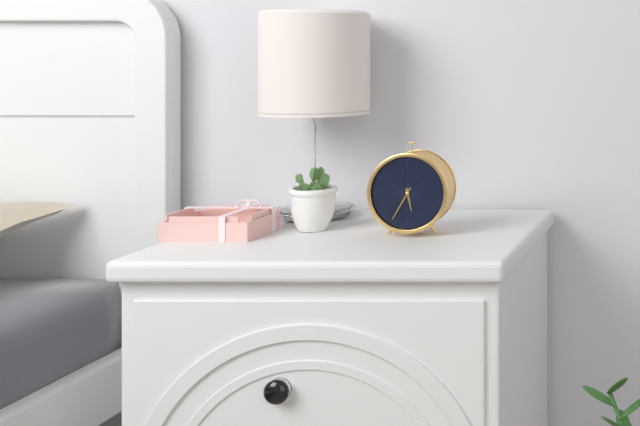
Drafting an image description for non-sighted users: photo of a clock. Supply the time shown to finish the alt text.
5:35
